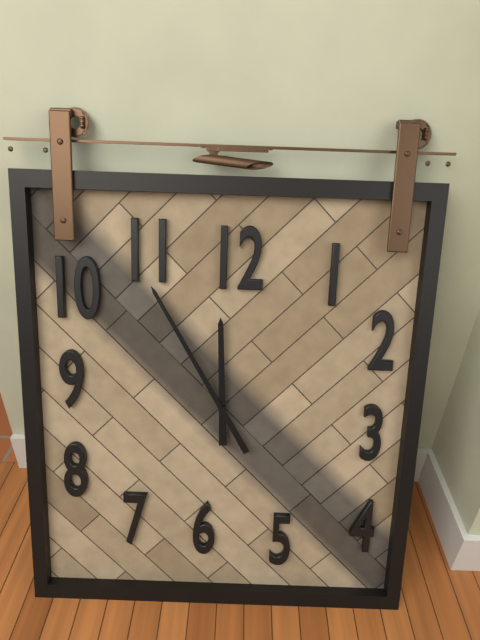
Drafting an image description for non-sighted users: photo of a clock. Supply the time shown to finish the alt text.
11:55
